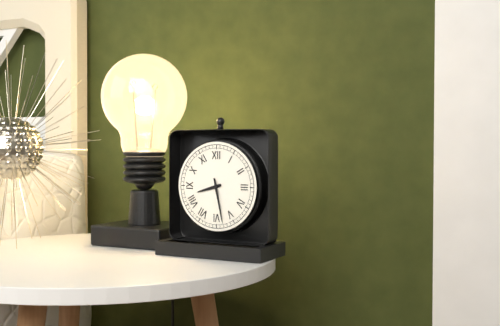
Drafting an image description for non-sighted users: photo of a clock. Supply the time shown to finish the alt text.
8:28
